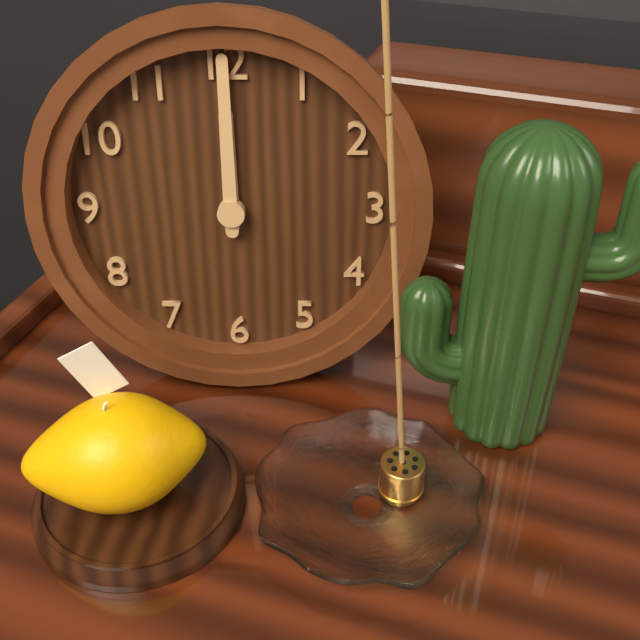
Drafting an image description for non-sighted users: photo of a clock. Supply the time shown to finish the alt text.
12:00
